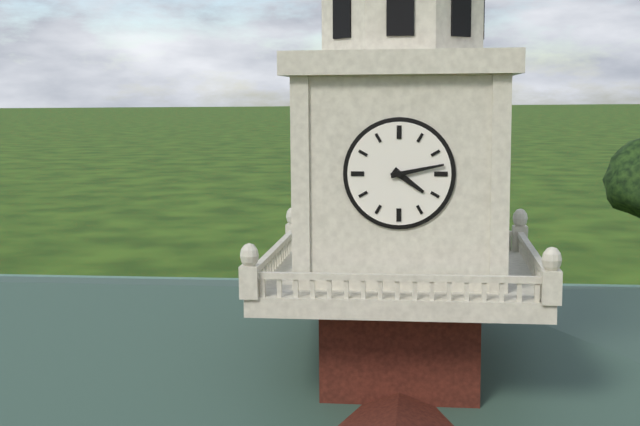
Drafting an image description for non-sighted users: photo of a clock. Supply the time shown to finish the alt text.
4:13
